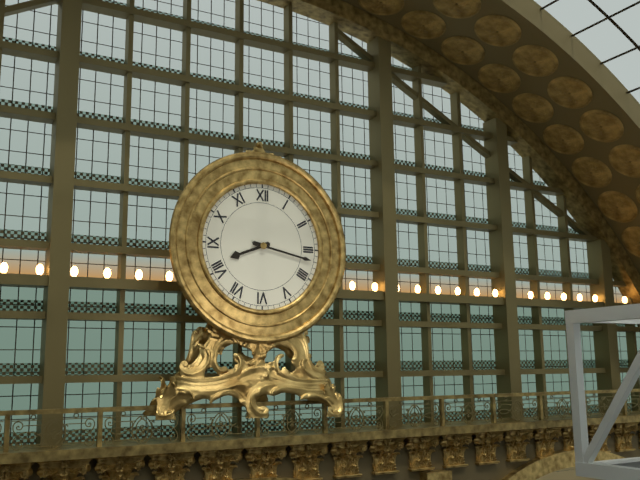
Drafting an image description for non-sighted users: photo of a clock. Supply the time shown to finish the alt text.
8:17
